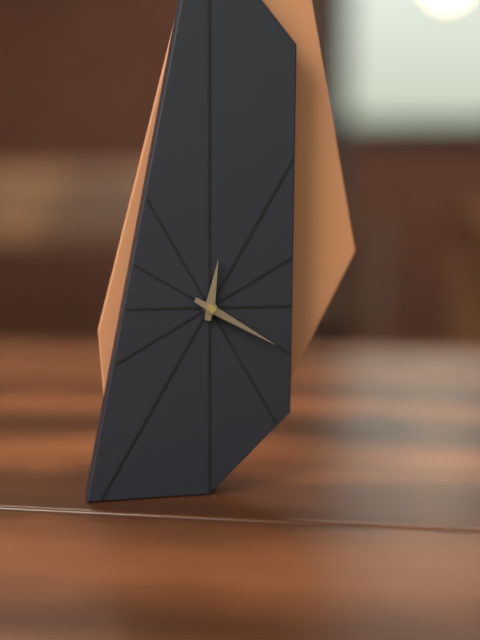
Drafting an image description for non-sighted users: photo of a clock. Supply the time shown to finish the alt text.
12:20
